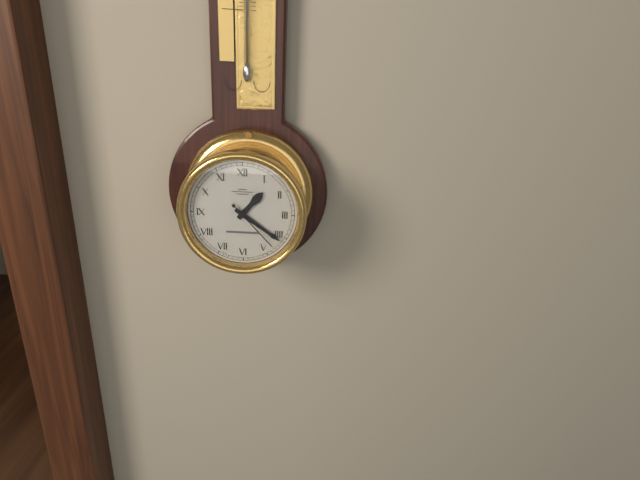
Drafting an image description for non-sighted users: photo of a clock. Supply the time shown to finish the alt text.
1:21:23
